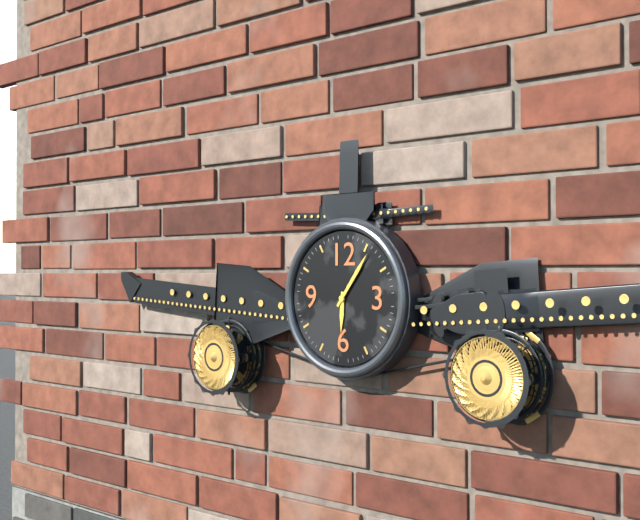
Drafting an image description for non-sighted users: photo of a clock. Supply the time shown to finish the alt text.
6:06
